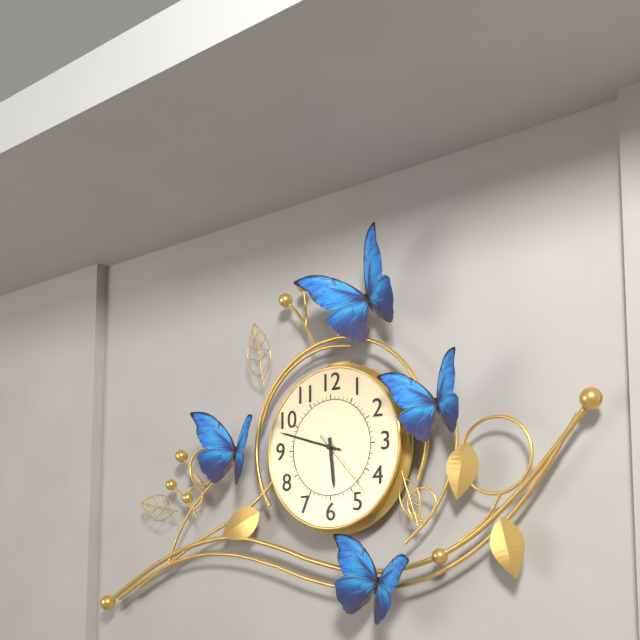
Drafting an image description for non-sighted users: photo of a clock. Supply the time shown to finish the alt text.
5:48:23
